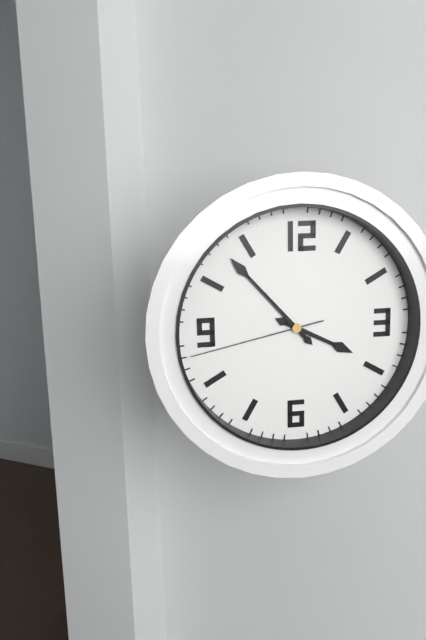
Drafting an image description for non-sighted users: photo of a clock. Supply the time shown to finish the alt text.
3:53:43
